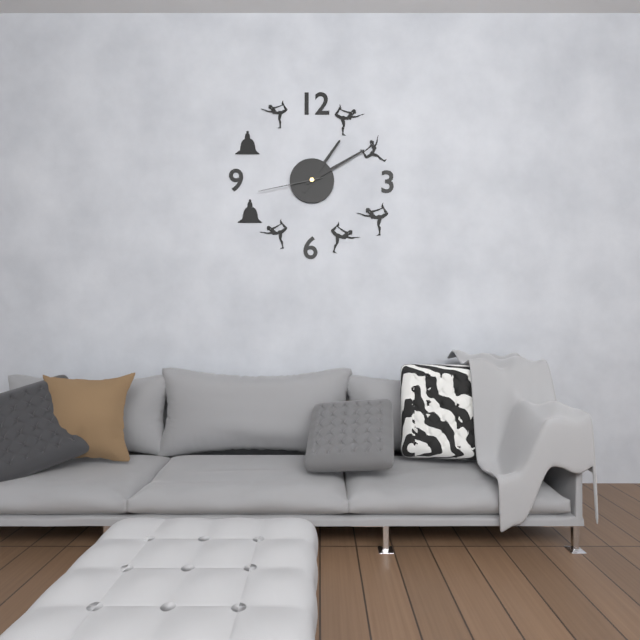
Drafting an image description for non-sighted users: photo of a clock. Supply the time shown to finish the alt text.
1:10:43
